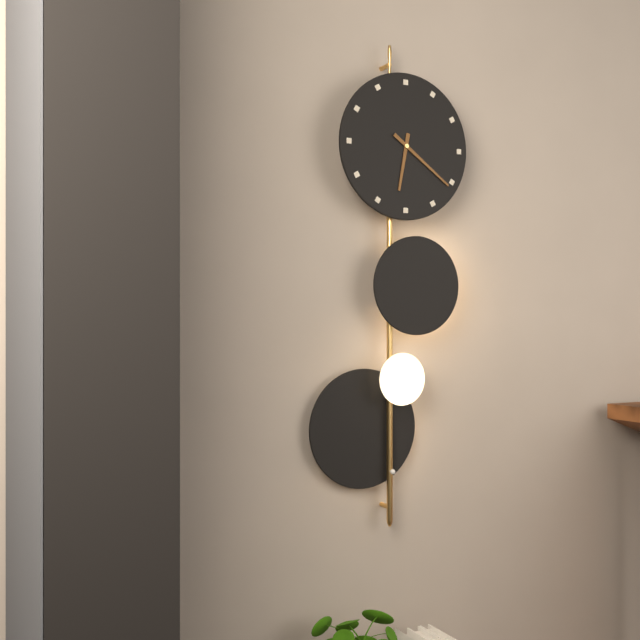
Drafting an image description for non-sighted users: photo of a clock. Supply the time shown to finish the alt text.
6:21
